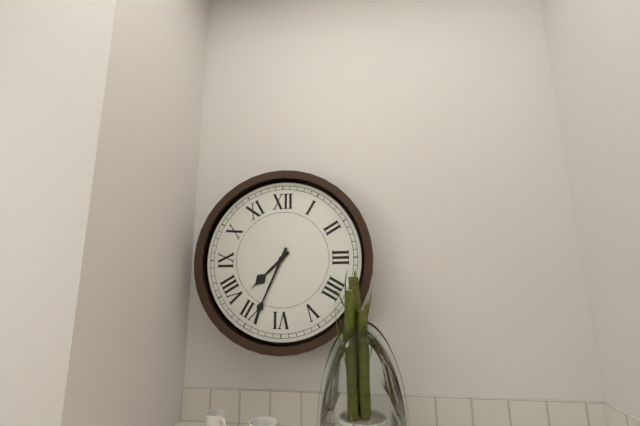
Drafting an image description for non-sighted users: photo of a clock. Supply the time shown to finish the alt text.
7:34
